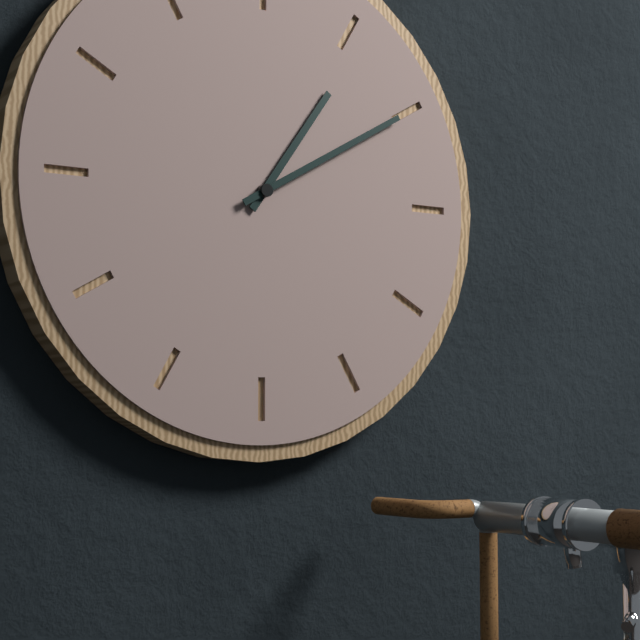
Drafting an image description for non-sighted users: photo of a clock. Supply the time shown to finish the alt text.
1:10
